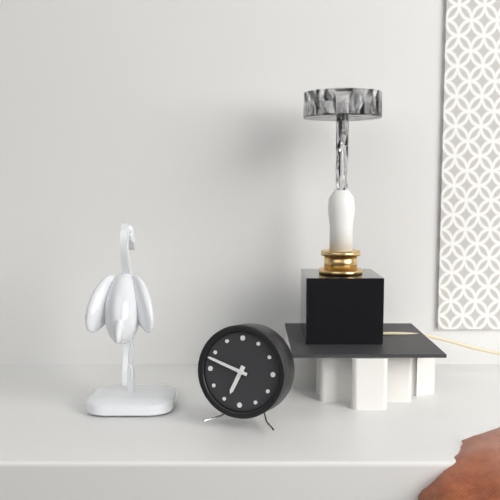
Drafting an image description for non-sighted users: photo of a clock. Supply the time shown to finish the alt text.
6:48
